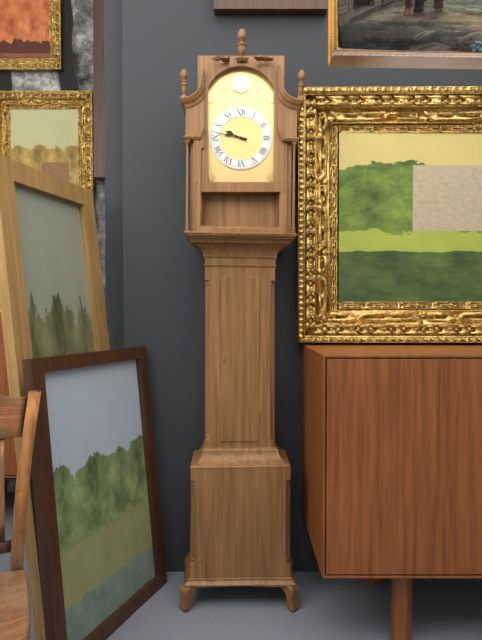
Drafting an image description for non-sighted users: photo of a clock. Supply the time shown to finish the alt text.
9:47
